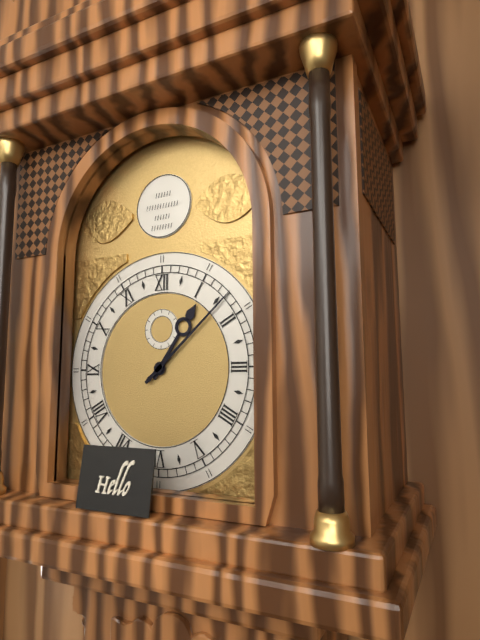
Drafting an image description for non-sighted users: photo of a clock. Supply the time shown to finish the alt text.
1:08
